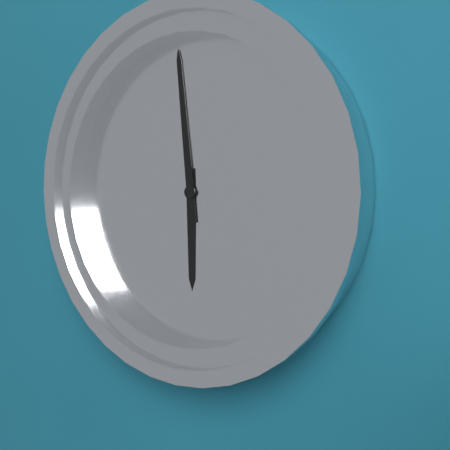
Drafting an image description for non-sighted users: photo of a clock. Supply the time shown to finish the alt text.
5:59
